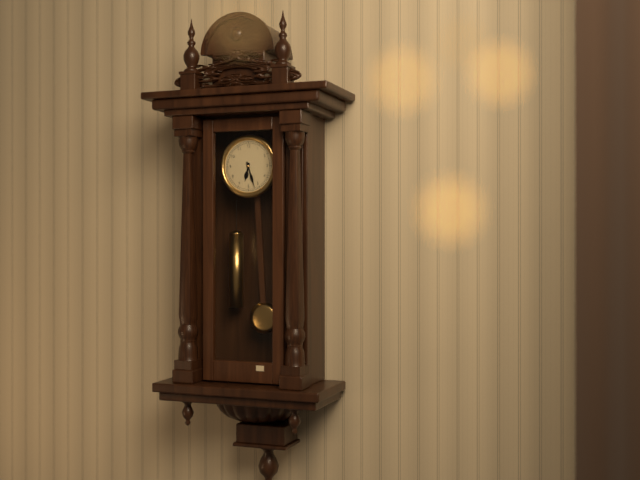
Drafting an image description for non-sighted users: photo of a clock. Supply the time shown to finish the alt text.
6:27
